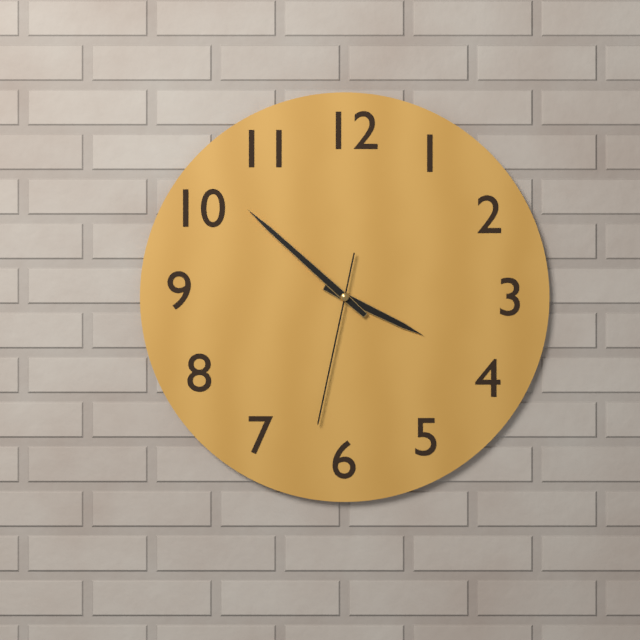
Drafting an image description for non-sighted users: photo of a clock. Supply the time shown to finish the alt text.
3:52:32
